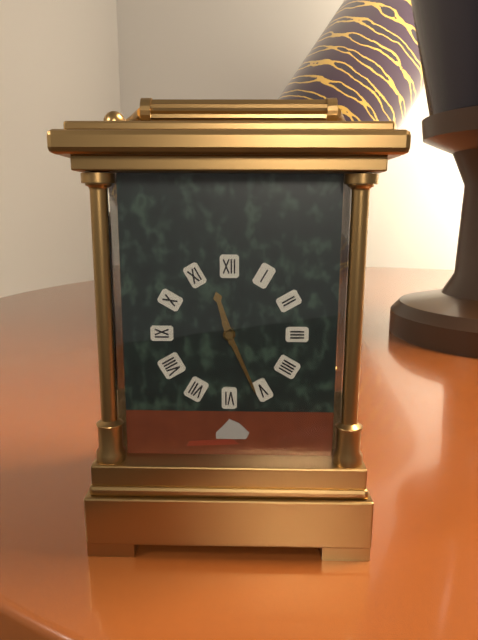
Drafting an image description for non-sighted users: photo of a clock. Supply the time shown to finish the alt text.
11:26
